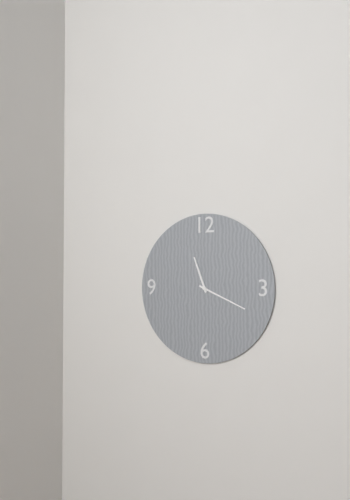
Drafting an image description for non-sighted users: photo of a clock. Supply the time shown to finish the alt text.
11:19
